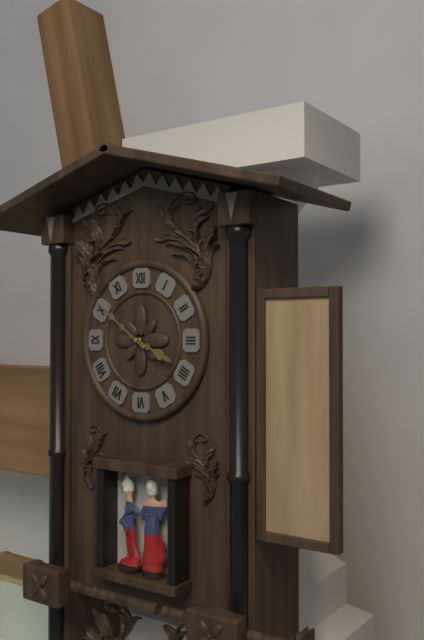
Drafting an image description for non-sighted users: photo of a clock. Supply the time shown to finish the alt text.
3:51
